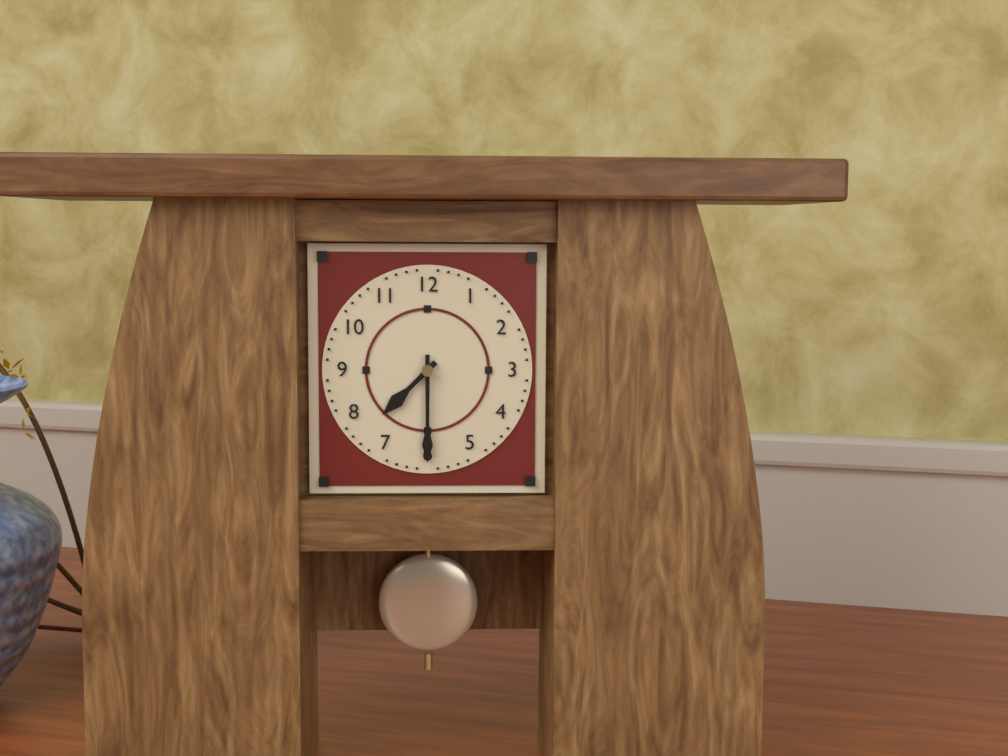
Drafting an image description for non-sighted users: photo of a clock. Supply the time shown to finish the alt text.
7:30
